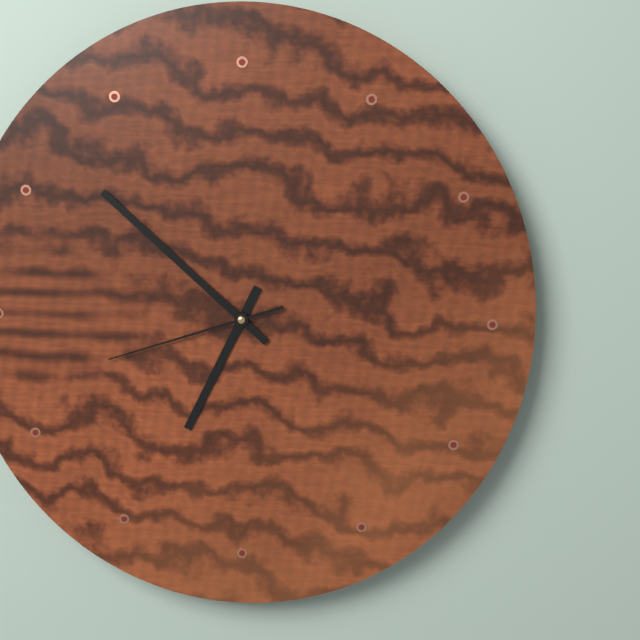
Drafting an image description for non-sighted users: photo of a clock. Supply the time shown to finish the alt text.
6:52:42
